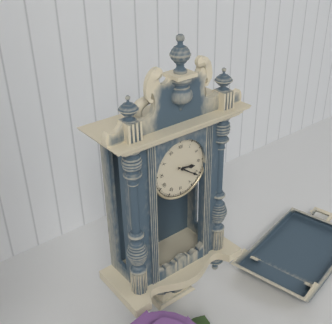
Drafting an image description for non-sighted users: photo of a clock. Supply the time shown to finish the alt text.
3:21
